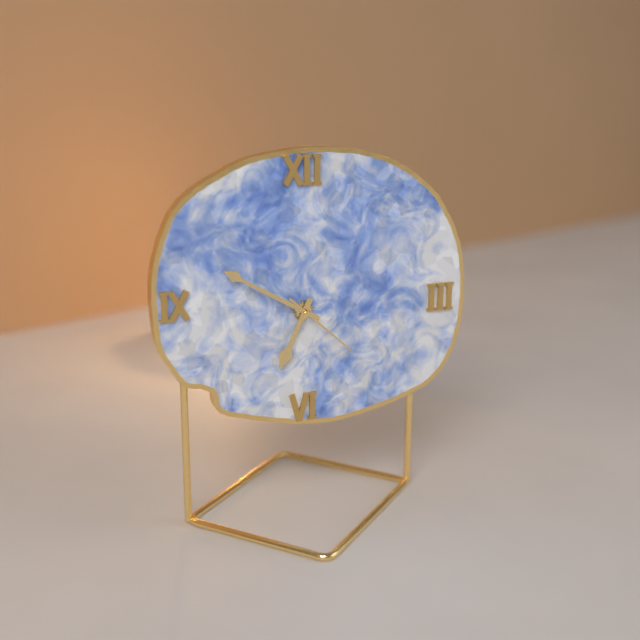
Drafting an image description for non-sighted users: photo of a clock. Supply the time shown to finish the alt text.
6:50:22
